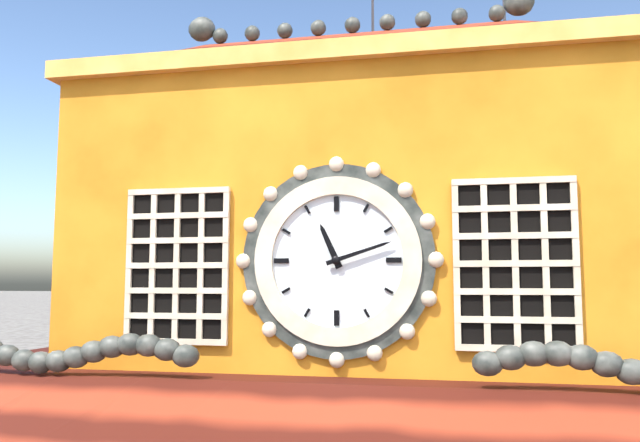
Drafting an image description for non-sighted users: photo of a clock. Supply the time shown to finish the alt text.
11:12
